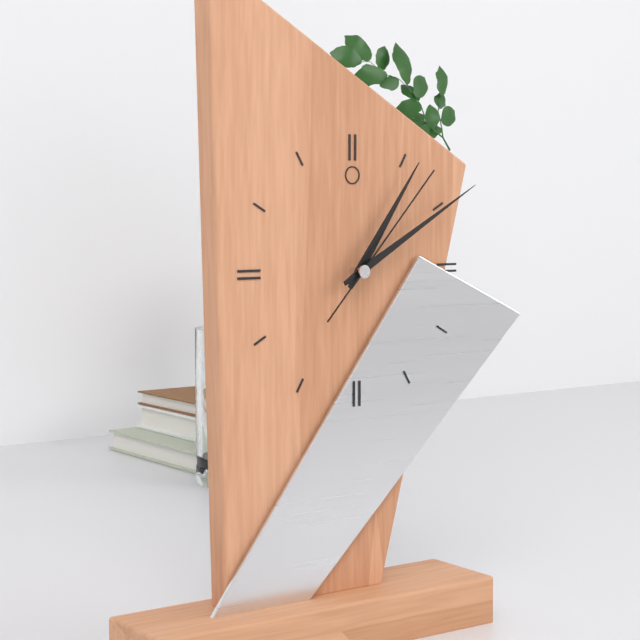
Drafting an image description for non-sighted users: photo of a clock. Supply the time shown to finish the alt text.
1:10:07
